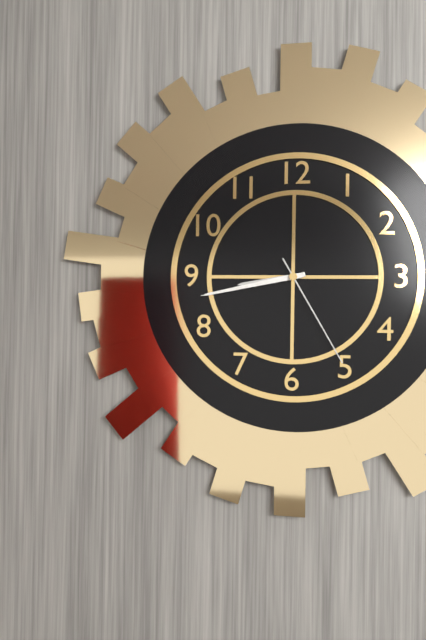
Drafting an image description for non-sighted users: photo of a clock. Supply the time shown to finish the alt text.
8:43:25
